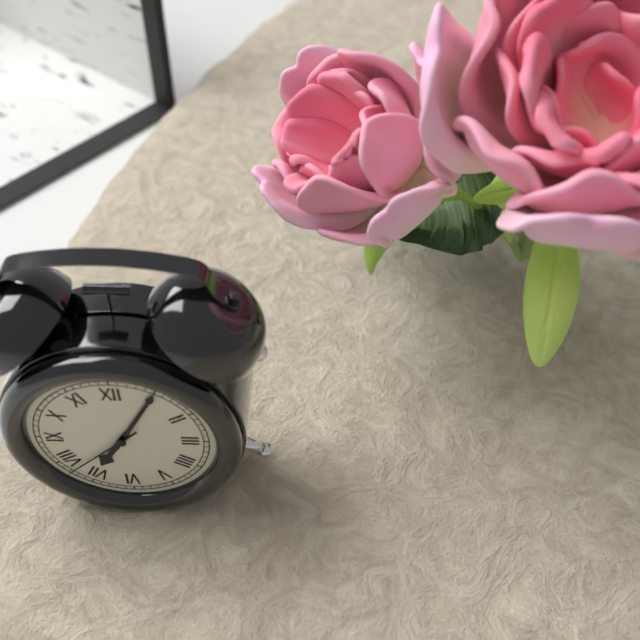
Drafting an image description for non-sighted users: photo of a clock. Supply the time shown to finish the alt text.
7:05:38
